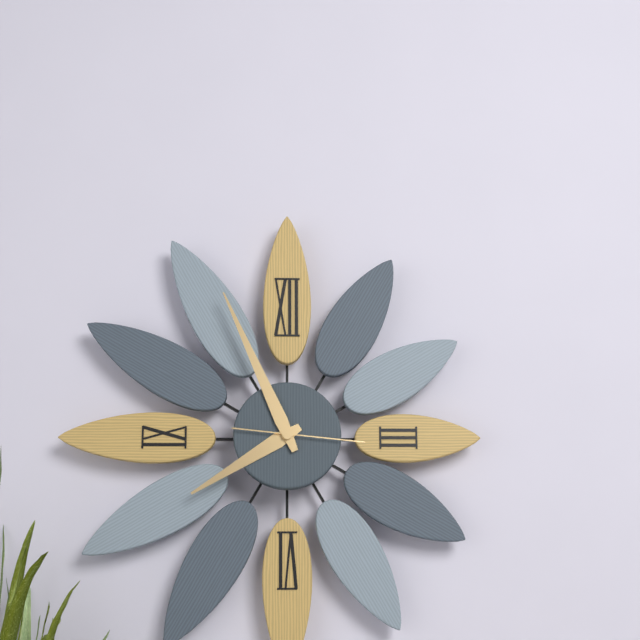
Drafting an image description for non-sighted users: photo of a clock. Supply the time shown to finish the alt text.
7:56:16
